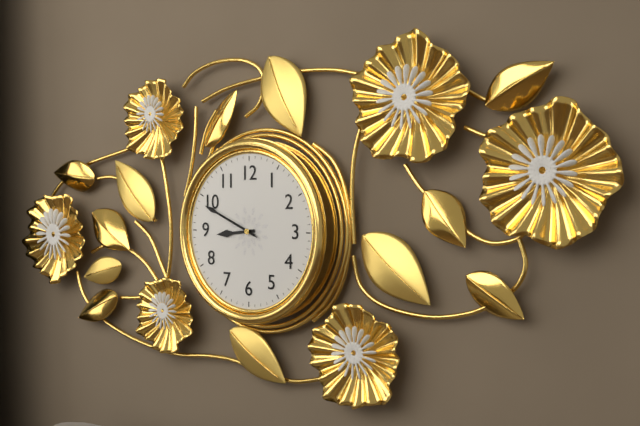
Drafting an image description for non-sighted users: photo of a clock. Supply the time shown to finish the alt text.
8:49:49
